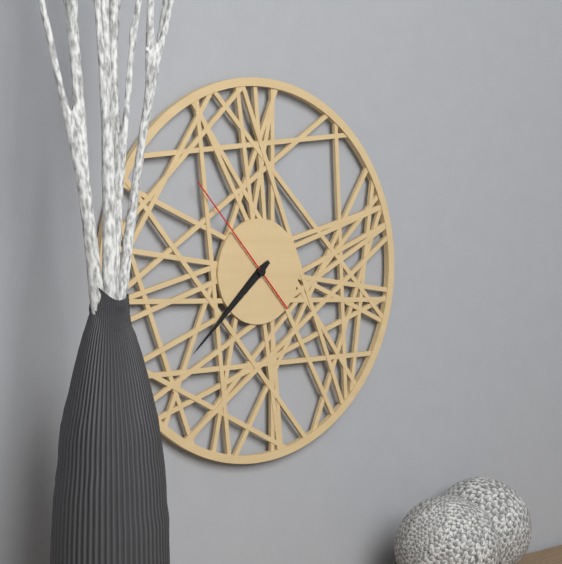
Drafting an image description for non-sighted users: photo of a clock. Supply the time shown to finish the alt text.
7:38:53
